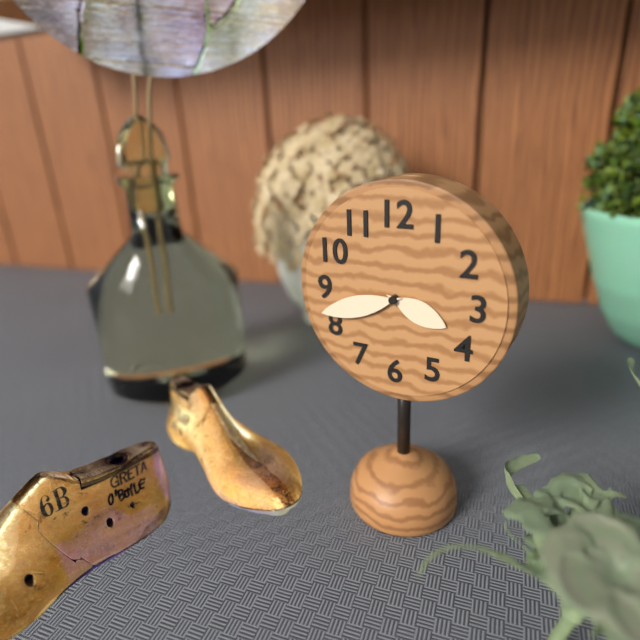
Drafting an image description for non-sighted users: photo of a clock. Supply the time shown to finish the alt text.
3:42
